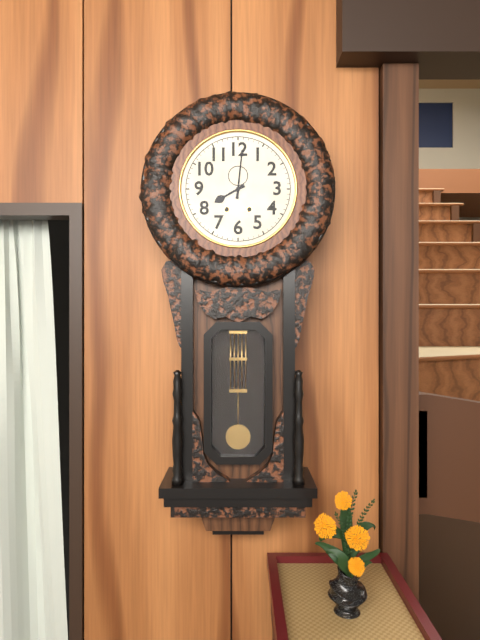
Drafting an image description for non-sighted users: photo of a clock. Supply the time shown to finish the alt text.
8:01
